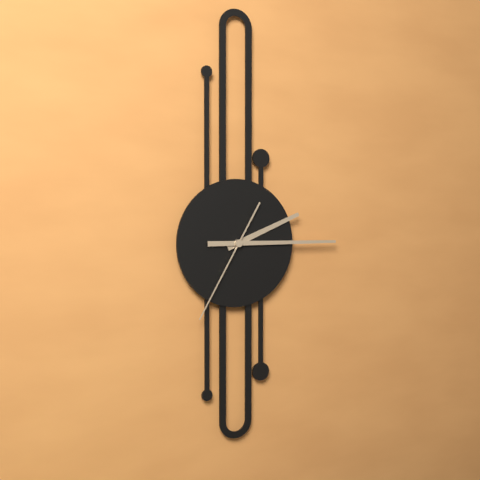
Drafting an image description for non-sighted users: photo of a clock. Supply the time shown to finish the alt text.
2:15:35
